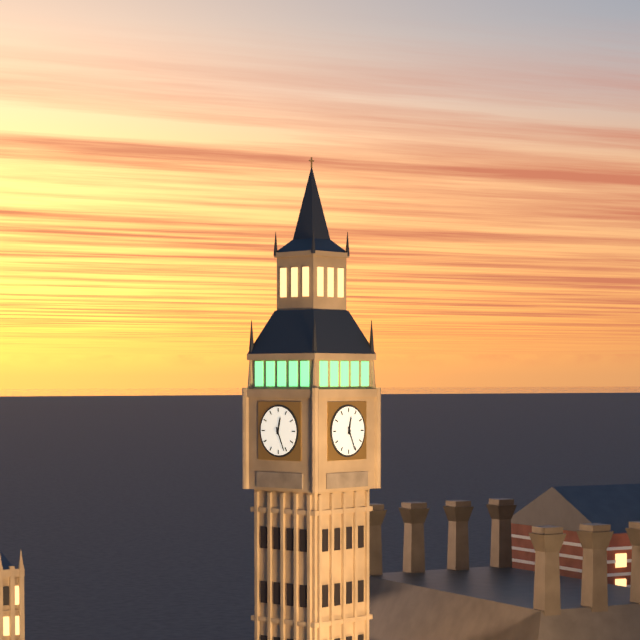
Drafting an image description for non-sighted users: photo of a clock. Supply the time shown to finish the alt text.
12:26
